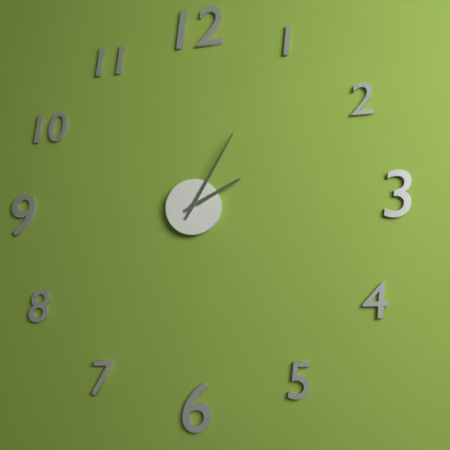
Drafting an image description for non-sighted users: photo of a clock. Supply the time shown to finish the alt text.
2:05
